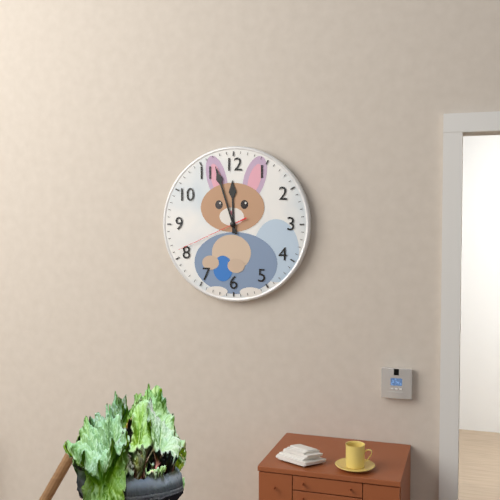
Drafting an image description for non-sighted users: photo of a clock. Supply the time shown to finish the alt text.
11:57:41
